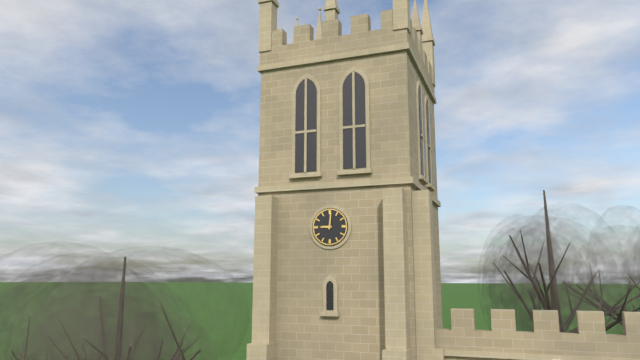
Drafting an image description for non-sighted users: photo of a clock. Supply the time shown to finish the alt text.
9:01
